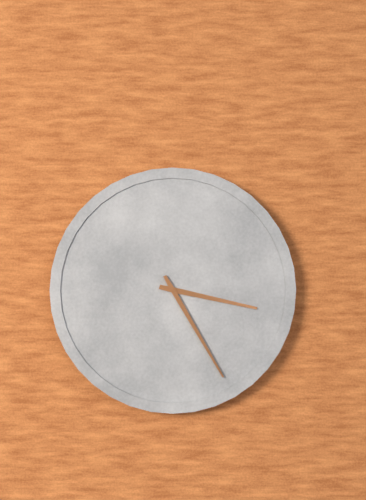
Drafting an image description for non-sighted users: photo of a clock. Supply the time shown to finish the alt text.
3:25
